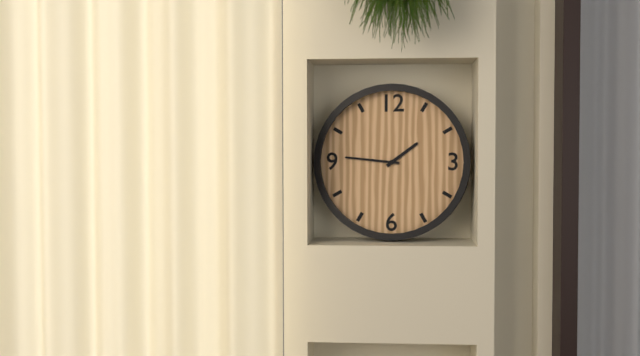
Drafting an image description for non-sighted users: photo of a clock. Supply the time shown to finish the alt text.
1:46
